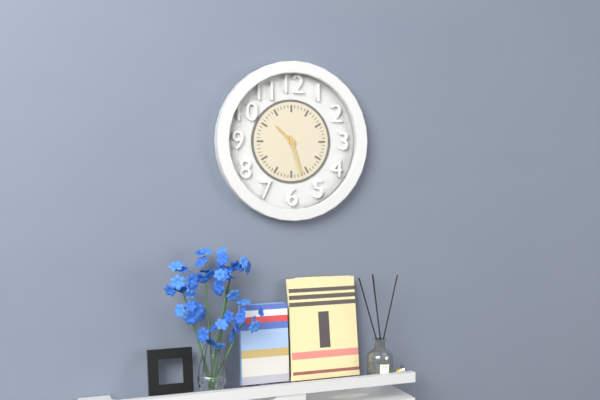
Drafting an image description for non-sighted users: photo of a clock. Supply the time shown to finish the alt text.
10:27
